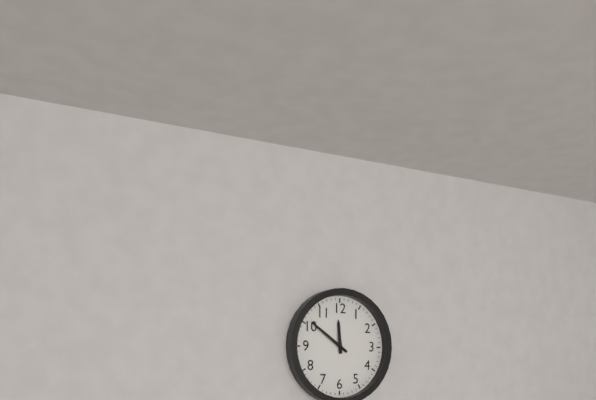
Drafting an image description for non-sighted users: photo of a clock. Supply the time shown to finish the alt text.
11:51
